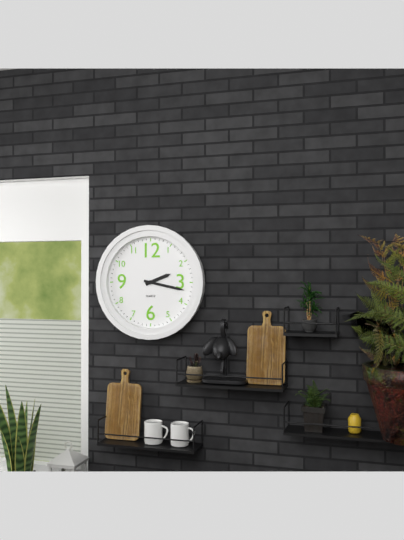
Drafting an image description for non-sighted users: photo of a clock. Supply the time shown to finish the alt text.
2:17
